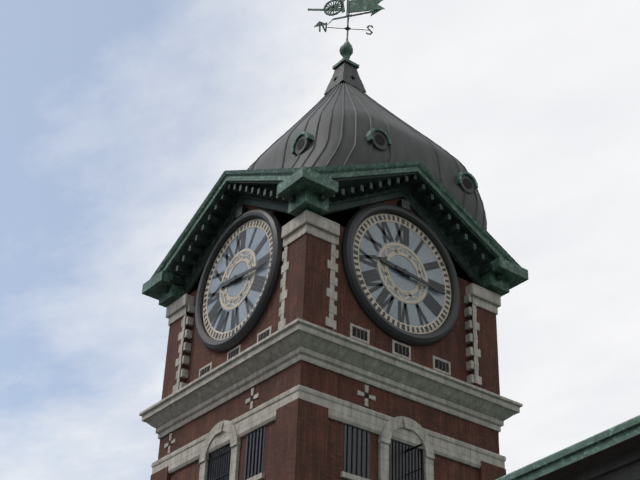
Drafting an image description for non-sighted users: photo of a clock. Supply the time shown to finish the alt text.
9:16
